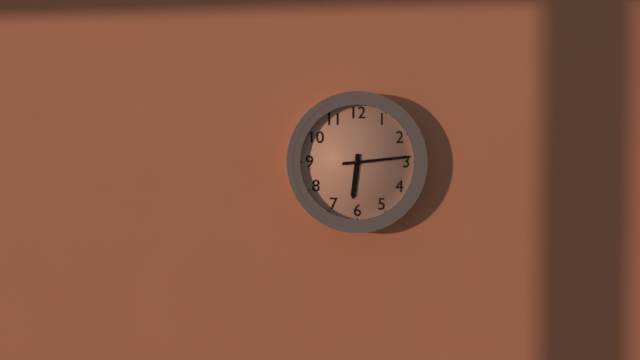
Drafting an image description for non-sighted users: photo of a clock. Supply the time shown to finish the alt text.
6:14
